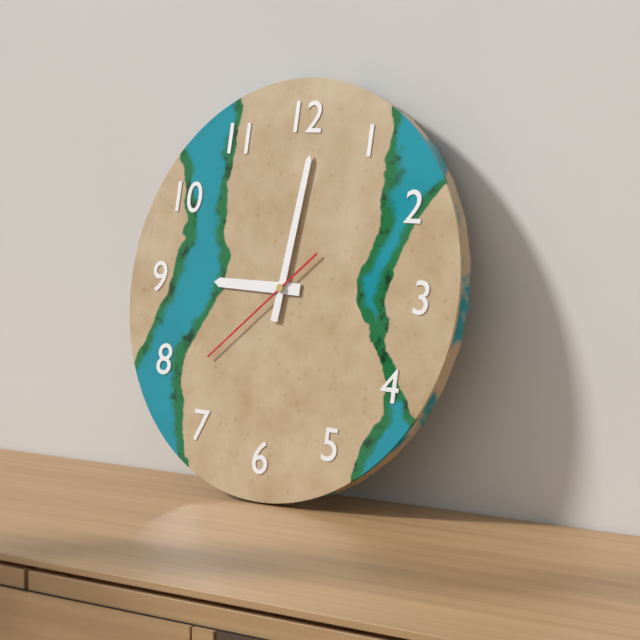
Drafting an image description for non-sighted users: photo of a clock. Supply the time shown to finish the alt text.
9:01:38
